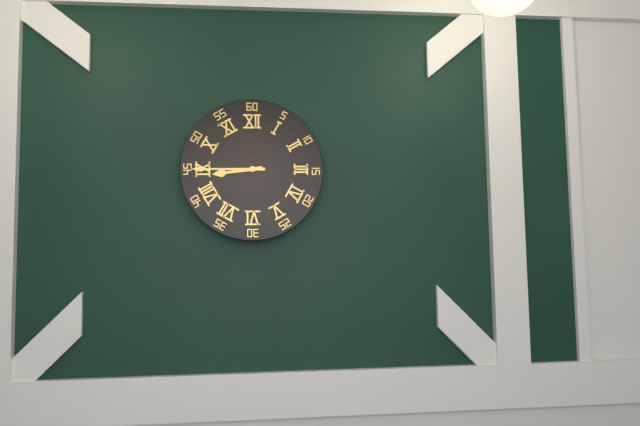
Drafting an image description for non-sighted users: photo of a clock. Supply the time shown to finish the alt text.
8:45
